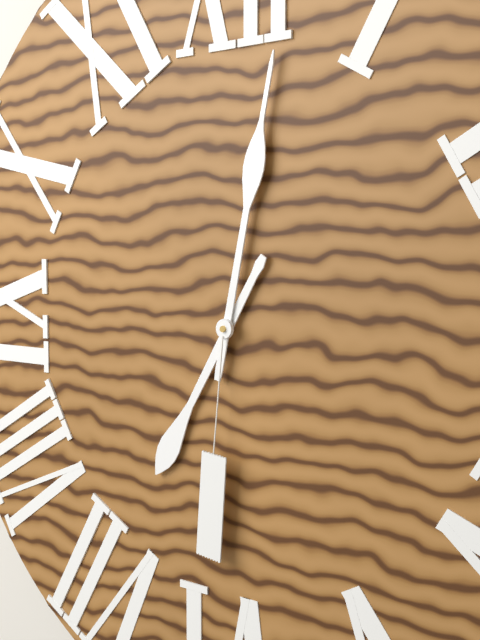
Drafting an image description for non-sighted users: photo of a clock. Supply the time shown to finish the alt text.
7:02
